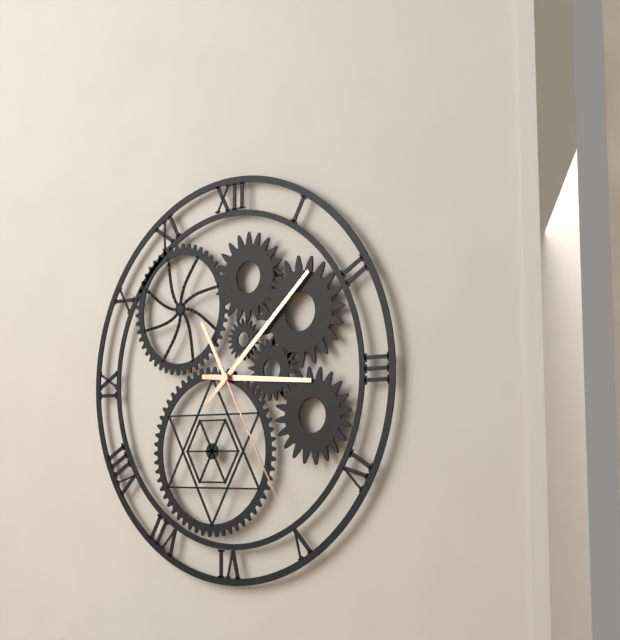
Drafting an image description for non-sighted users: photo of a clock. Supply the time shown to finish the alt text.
3:08:25
